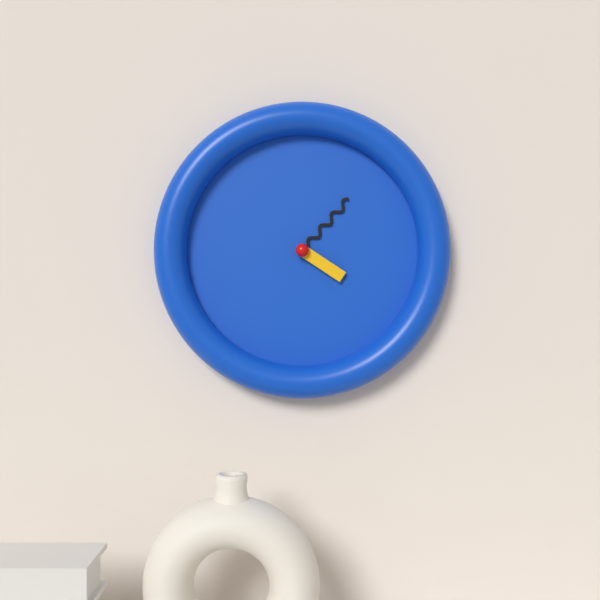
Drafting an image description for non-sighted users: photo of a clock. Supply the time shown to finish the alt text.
4:07
